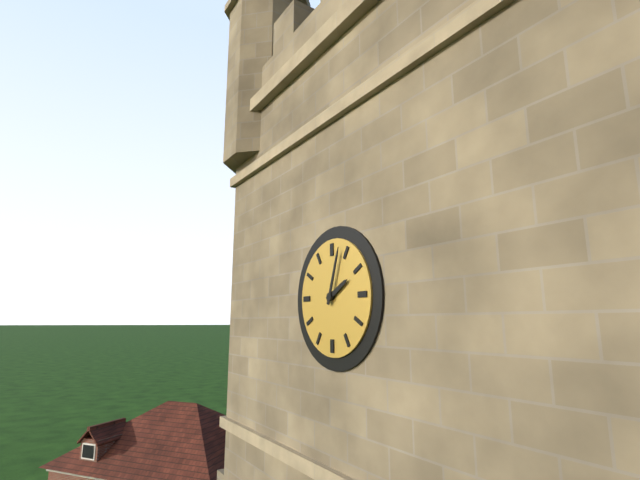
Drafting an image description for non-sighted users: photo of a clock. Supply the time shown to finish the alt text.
2:03
